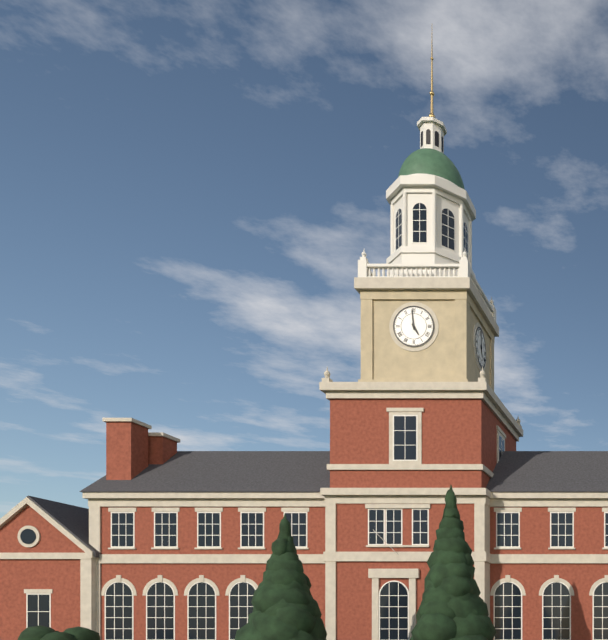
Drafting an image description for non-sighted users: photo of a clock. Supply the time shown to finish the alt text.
4:59
